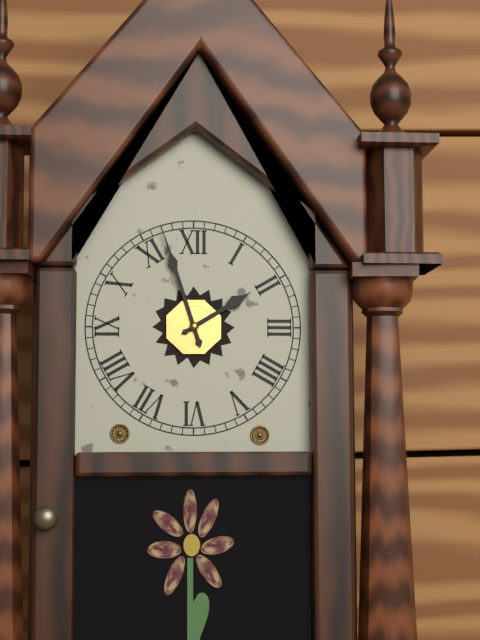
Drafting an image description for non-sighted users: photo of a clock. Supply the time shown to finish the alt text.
1:57
